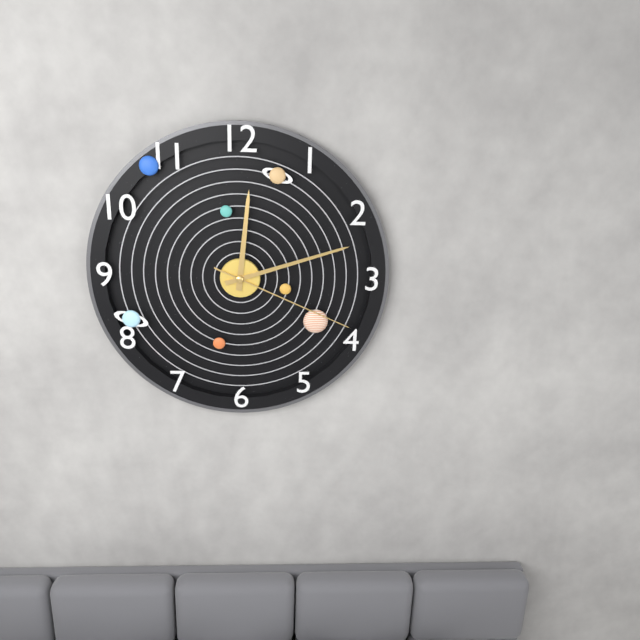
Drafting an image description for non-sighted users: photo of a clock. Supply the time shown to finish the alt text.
12:12:19
